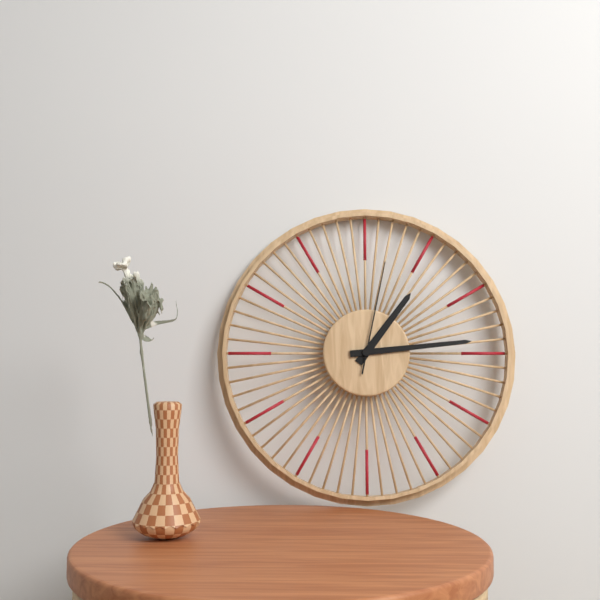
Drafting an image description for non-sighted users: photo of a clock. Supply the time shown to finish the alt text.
1:14:02
